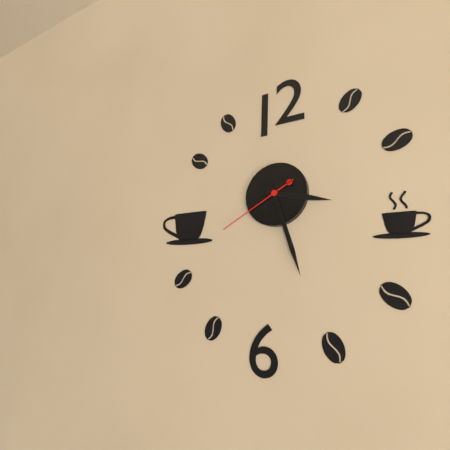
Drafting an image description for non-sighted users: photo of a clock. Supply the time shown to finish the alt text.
3:27:40
